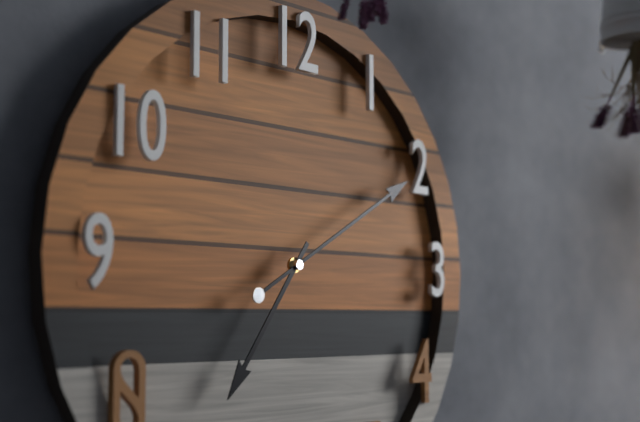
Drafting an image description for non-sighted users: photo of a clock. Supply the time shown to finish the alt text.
7:10
